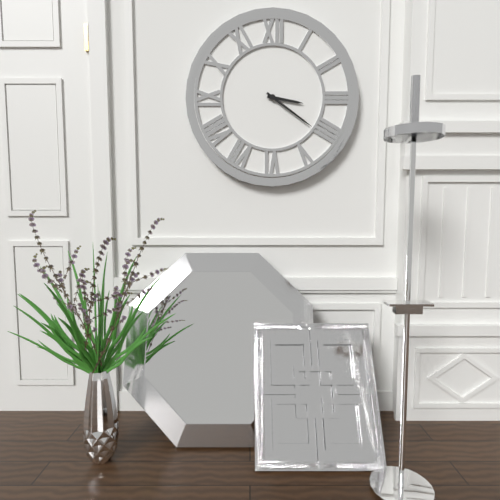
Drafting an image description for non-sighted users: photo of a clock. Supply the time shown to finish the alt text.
3:21
